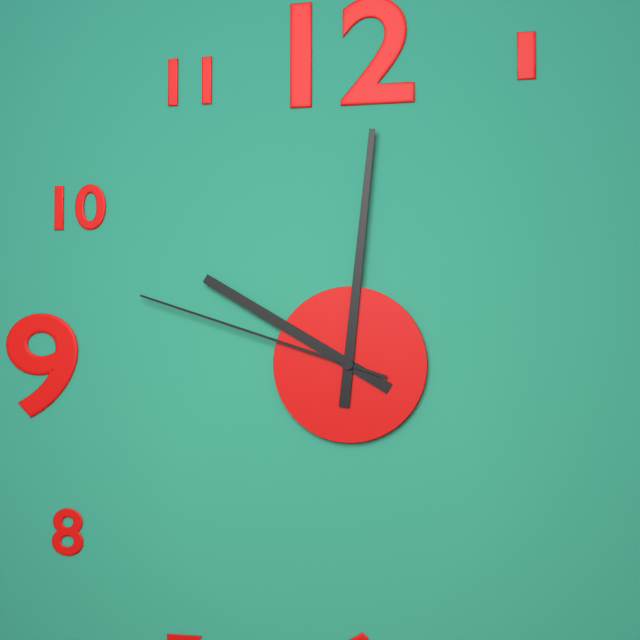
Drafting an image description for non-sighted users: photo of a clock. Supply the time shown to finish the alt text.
10:01:48
